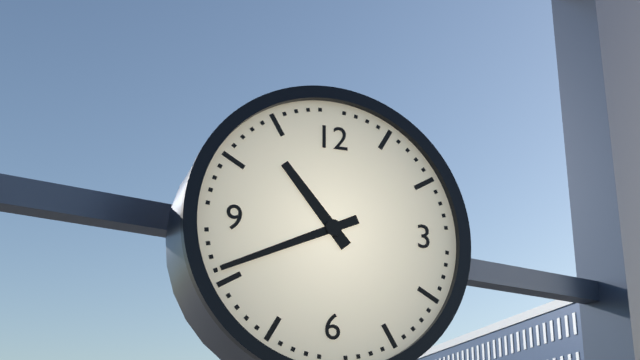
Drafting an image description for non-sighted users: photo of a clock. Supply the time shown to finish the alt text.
10:41
